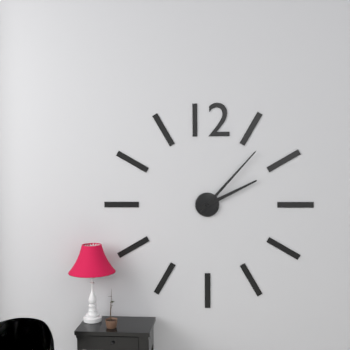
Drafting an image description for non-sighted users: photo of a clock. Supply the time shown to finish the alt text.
2:07
